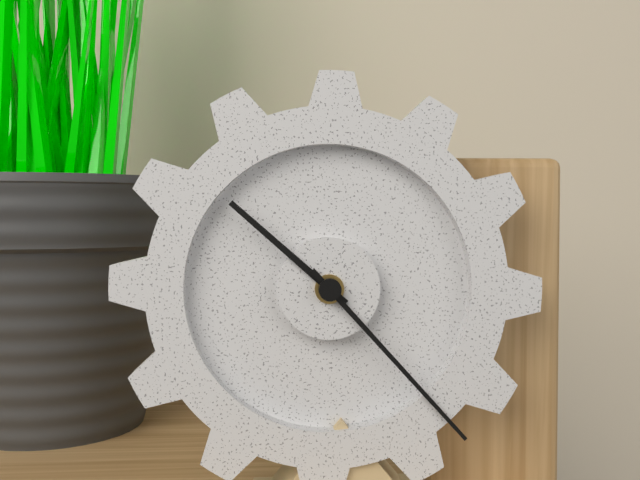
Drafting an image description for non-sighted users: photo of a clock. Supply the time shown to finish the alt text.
10:23
